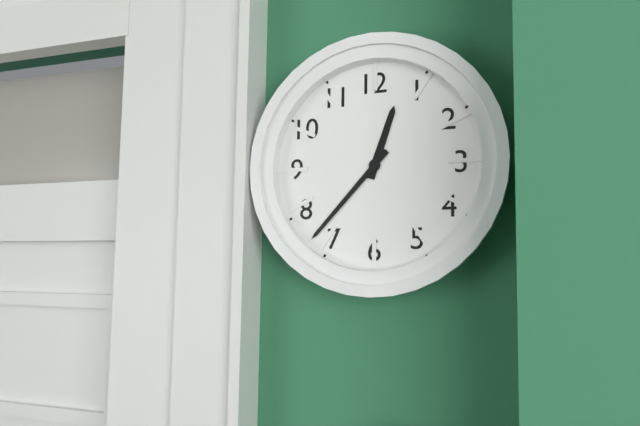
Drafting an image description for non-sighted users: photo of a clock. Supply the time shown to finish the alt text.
12:37
